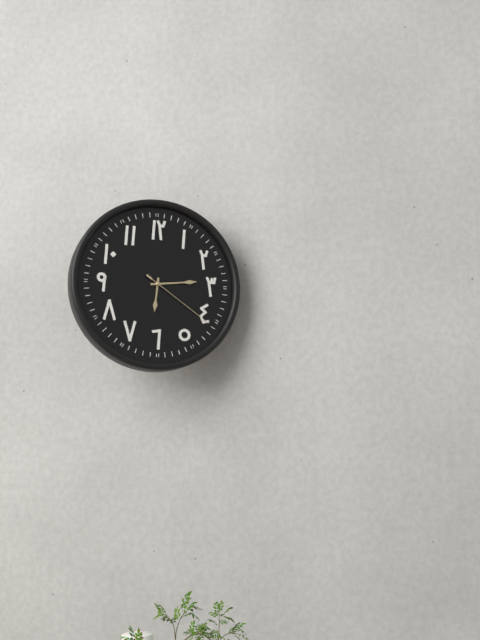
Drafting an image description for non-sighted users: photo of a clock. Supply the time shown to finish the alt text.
6:14:21
